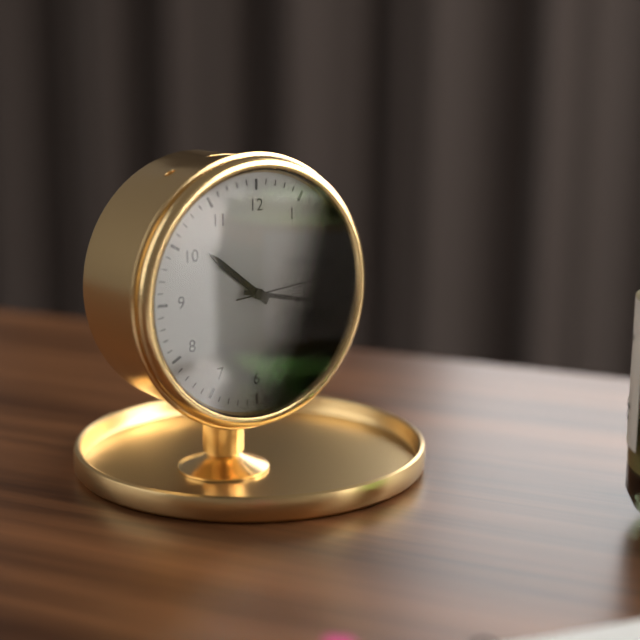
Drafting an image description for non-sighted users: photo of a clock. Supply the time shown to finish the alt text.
10:17:14
